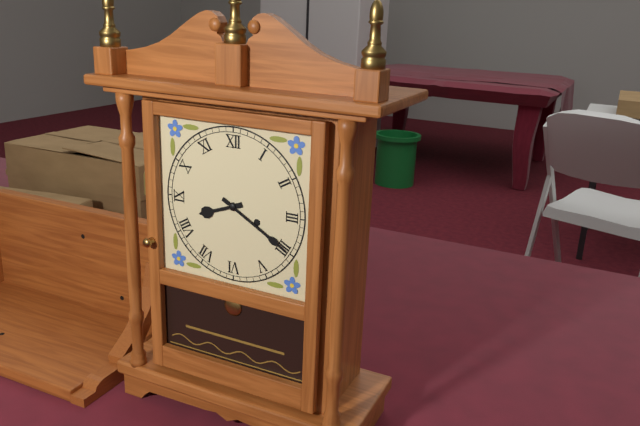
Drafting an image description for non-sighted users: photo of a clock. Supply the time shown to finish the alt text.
8:20
